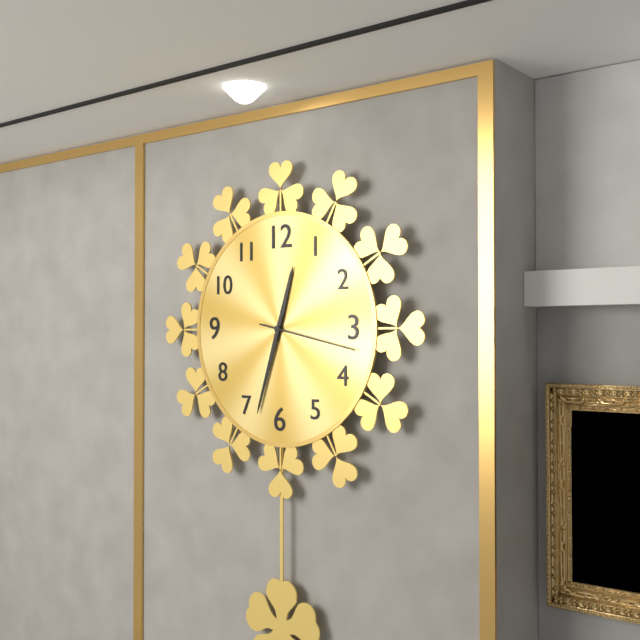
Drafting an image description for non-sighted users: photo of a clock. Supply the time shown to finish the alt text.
12:33:17
